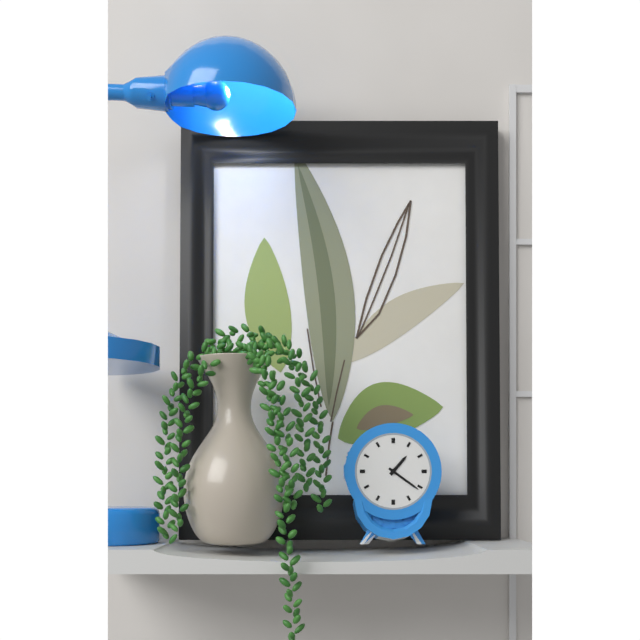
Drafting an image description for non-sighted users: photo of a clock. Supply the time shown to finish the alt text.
1:21
